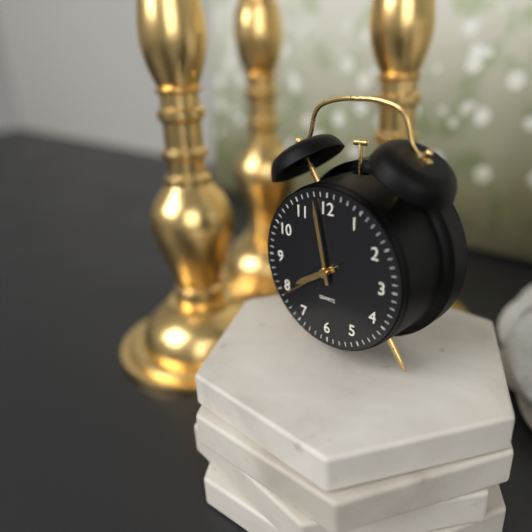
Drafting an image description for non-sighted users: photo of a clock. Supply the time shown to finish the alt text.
7:58:39
